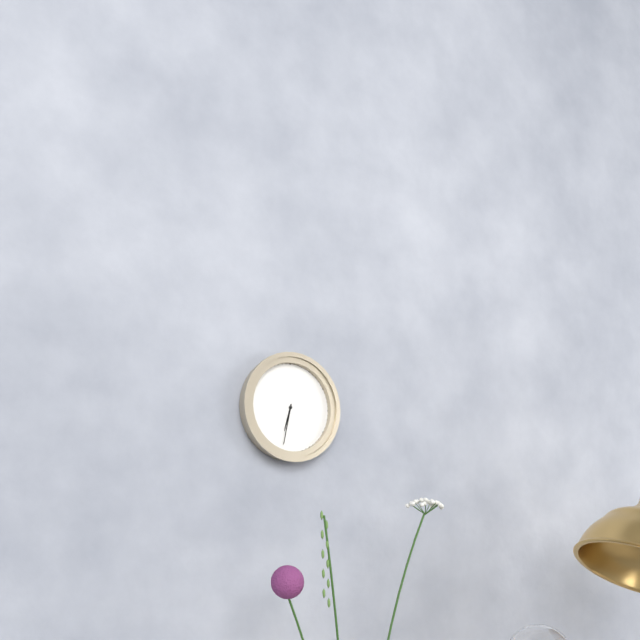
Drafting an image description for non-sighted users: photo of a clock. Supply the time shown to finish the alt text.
6:32
